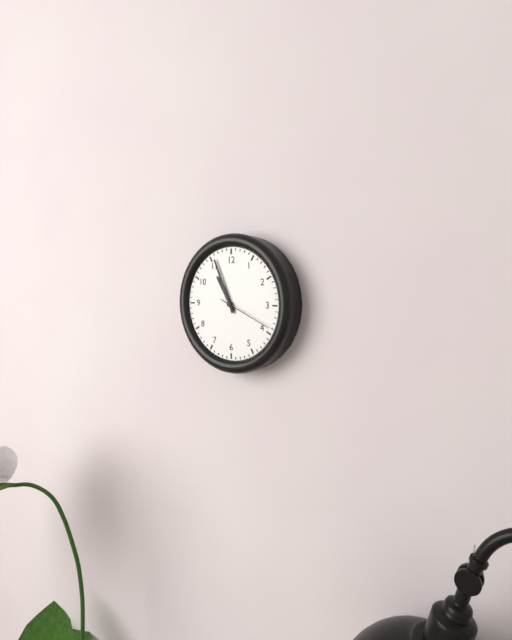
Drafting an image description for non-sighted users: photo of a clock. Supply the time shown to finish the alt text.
10:56:19
